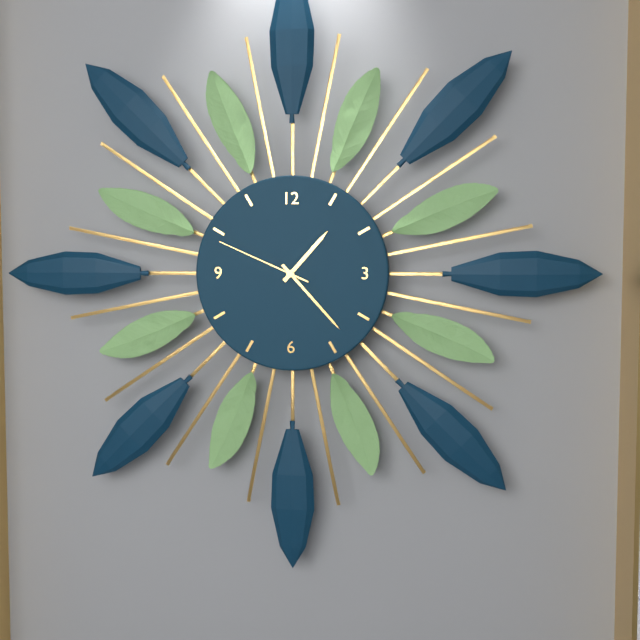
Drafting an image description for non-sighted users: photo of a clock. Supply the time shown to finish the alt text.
1:23:49
